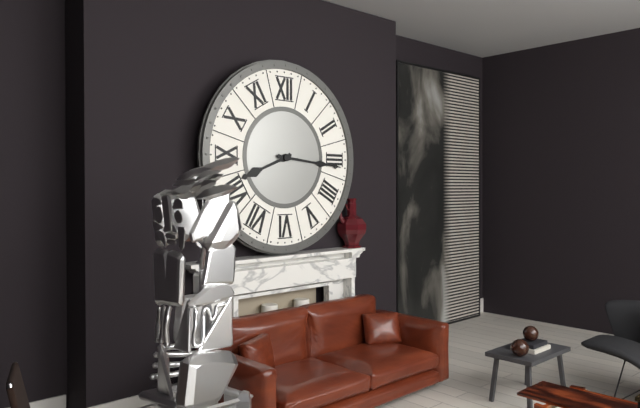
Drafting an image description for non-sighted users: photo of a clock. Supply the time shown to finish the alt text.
8:16
